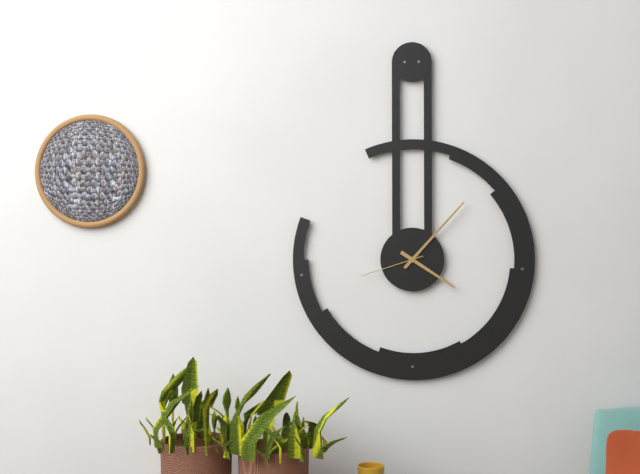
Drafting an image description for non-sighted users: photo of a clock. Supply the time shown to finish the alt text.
4:07:42
